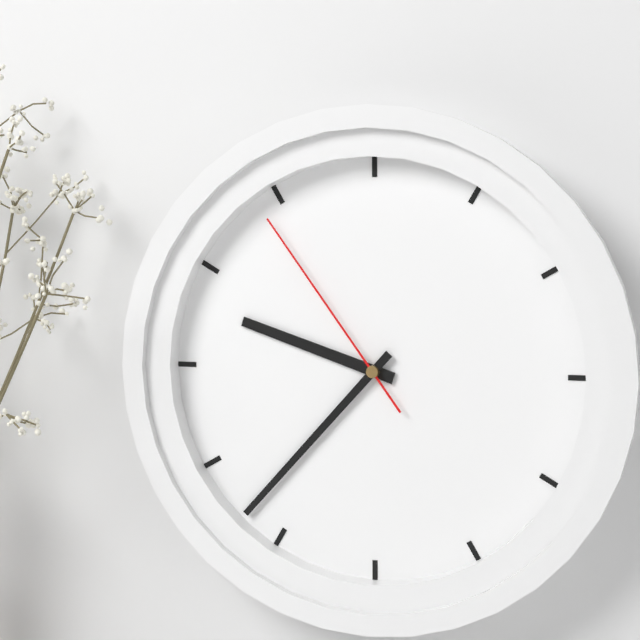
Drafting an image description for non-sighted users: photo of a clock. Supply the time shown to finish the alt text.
9:37:54
